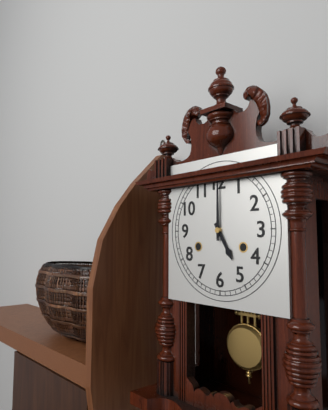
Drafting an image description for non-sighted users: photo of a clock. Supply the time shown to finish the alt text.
5:00
